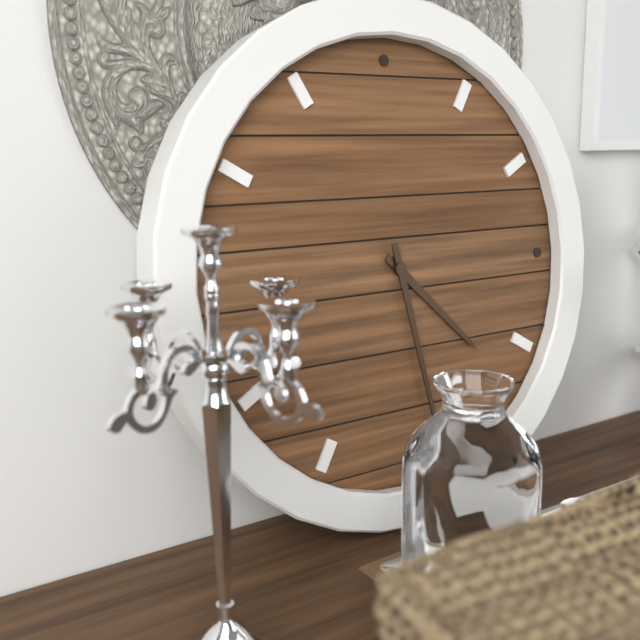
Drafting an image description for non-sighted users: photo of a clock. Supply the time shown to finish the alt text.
4:28
